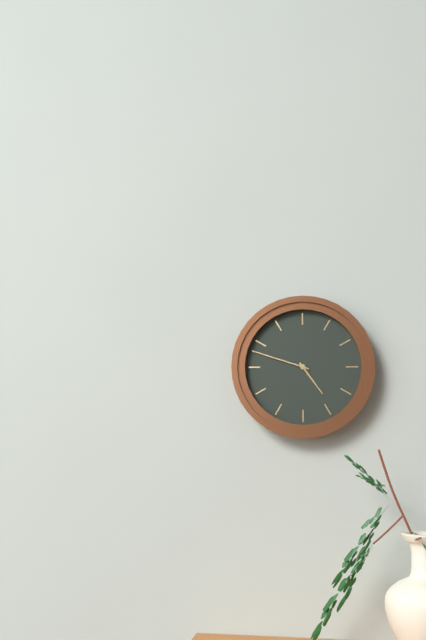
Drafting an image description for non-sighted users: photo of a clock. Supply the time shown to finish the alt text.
4:48
